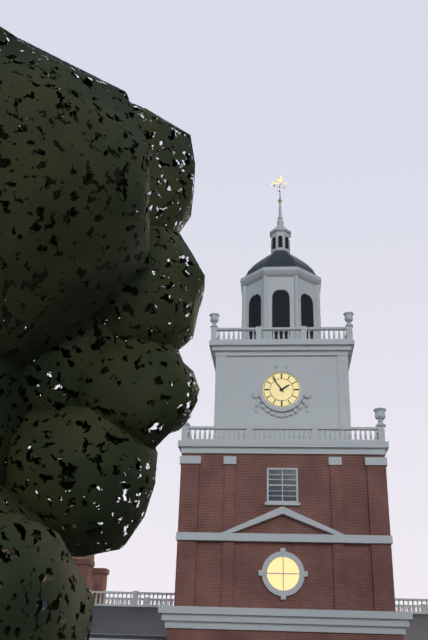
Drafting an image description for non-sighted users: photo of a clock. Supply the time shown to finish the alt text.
1:54
